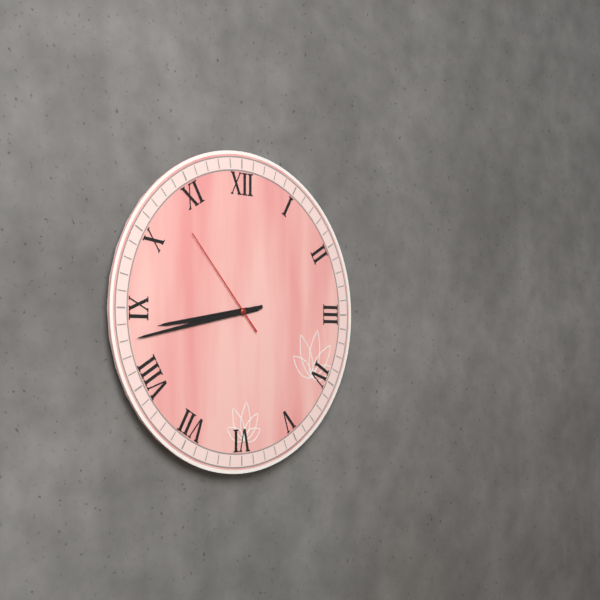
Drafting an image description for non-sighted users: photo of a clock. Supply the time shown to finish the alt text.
8:43:53
